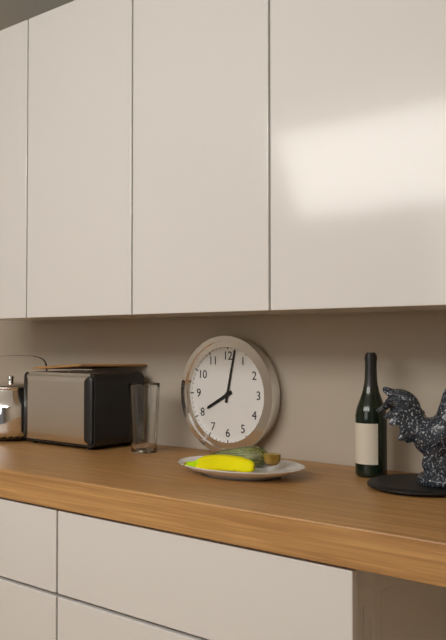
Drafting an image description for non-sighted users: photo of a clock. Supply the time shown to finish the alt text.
8:02
